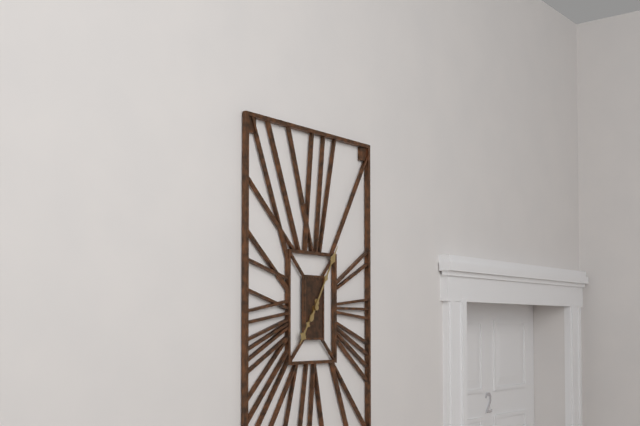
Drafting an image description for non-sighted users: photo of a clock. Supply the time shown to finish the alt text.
7:05
